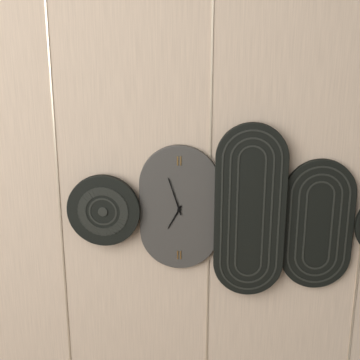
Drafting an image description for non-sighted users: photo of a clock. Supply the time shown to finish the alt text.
6:57
